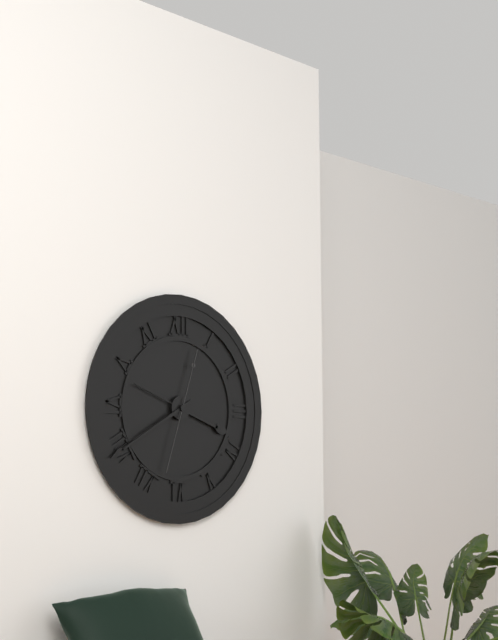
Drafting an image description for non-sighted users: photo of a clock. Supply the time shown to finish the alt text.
3:40:33
